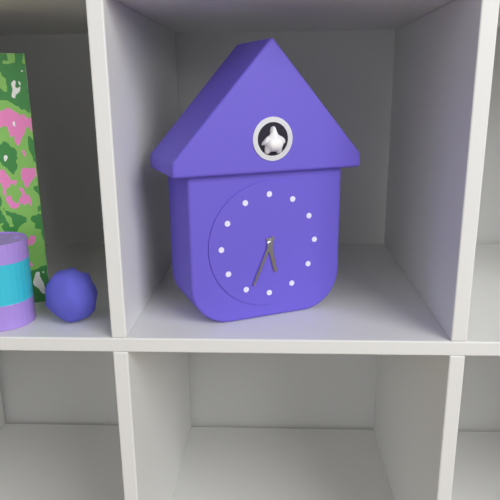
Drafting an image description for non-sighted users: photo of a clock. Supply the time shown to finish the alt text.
5:34
